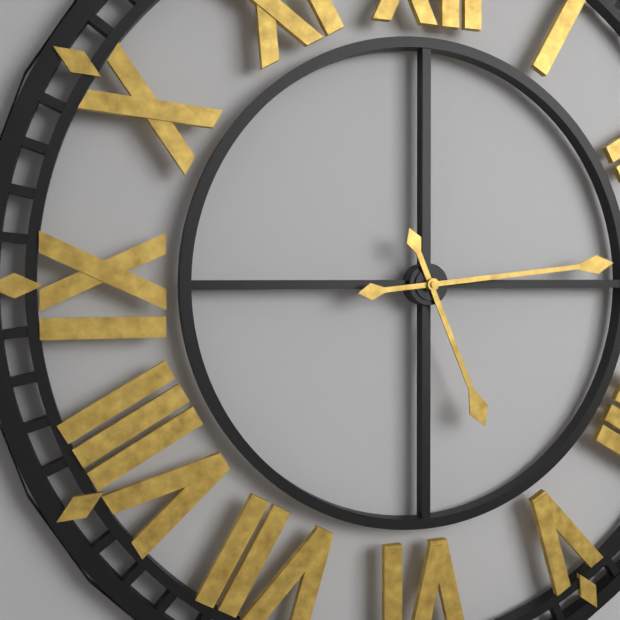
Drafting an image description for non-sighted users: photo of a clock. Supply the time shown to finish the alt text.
5:14
